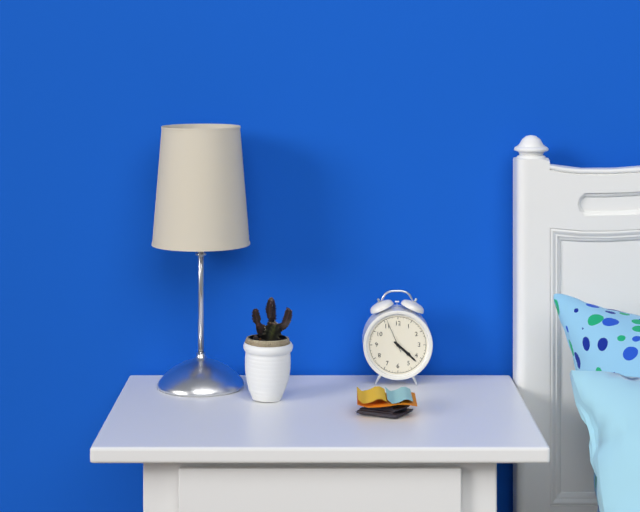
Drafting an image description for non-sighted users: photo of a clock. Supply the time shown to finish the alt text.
4:22
